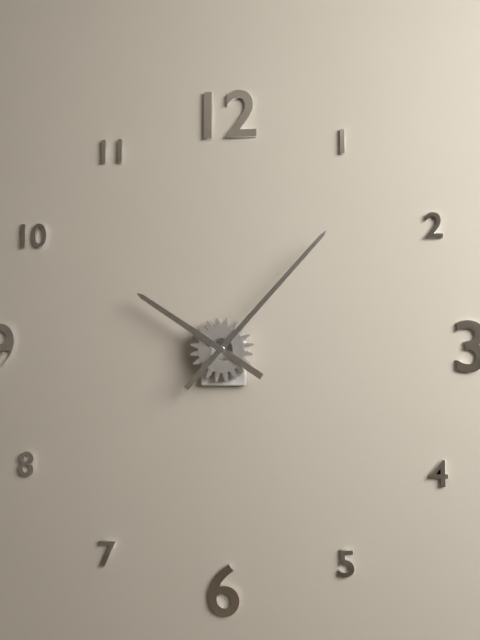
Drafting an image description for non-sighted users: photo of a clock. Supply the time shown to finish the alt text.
10:07
